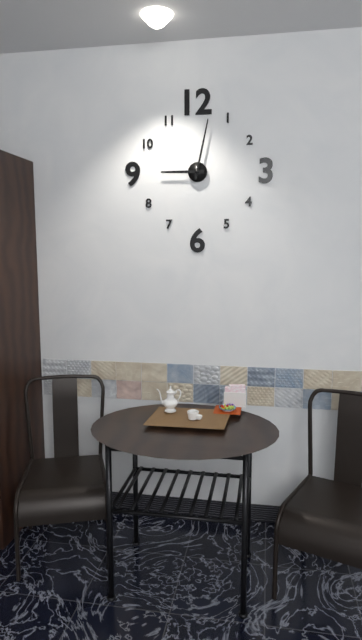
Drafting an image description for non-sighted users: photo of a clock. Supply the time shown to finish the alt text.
9:02
